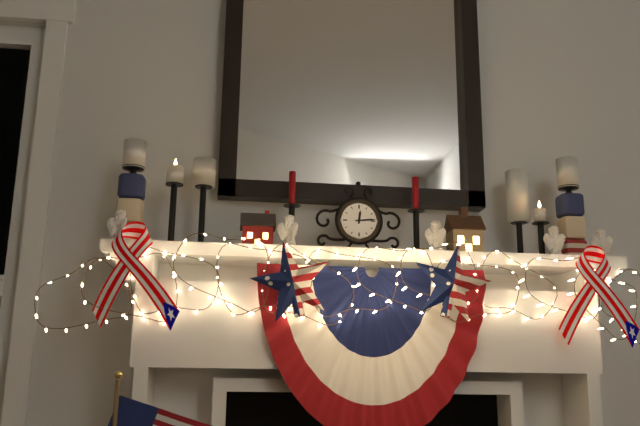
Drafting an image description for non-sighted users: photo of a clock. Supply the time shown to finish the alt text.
12:14
